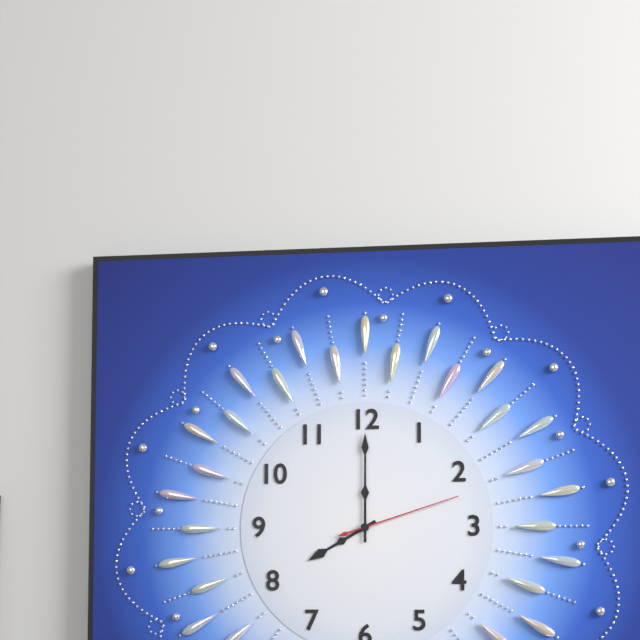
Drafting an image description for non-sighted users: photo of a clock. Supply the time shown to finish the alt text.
8:00:12
